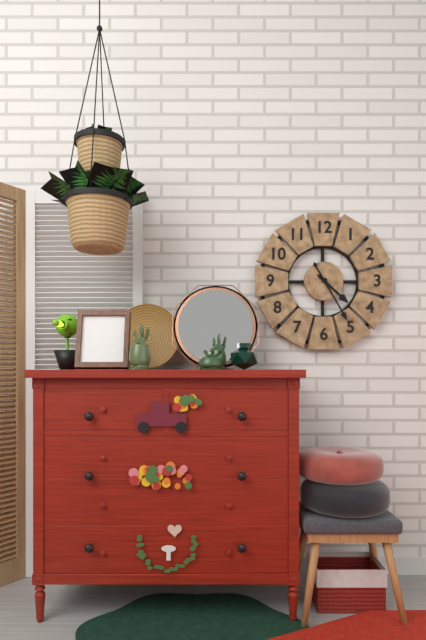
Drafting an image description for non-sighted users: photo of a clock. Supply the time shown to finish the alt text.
4:25
